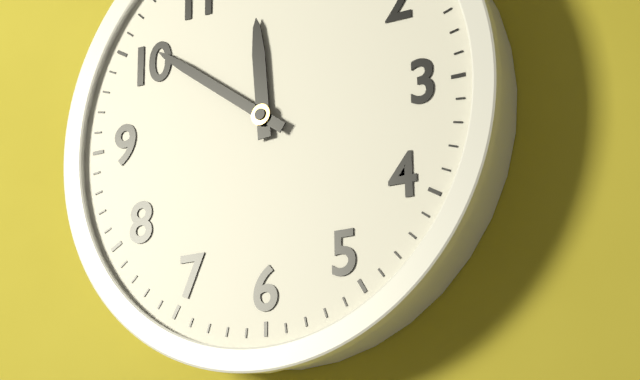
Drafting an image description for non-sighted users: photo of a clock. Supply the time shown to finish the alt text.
11:51
